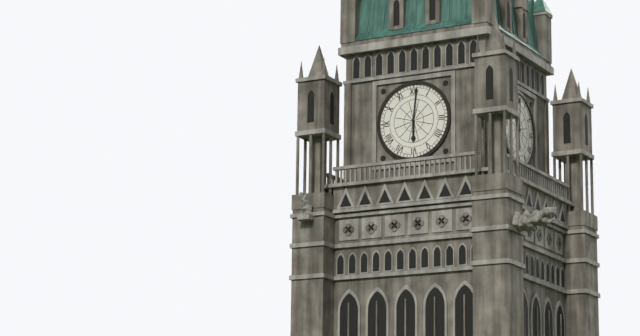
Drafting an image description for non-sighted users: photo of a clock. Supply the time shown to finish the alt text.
6:01
